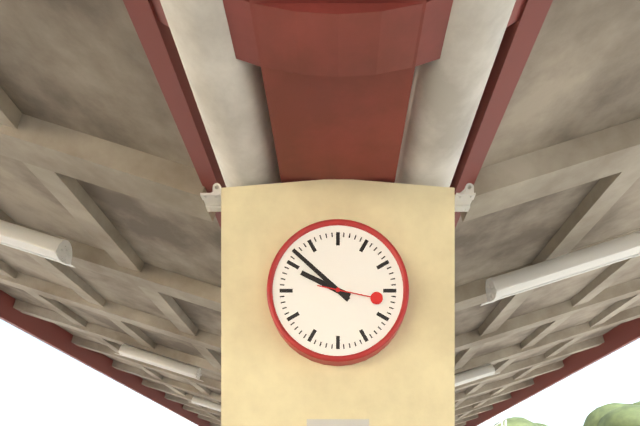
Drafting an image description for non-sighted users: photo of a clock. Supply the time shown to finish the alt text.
9:52:17
